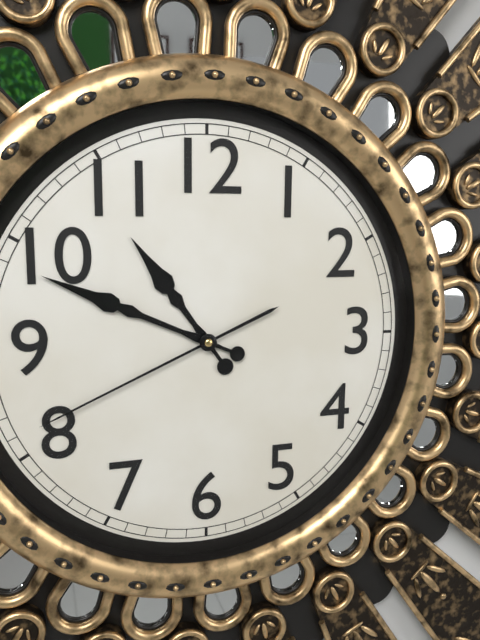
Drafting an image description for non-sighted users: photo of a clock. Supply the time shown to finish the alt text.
10:49:41
